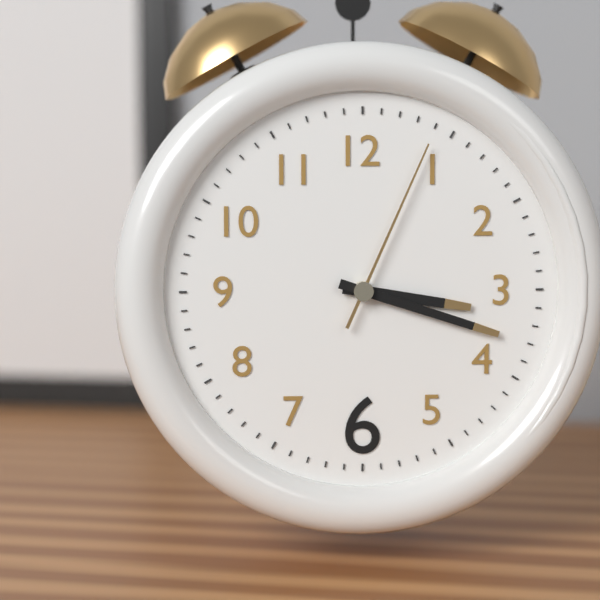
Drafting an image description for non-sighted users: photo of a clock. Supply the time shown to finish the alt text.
3:18:04
